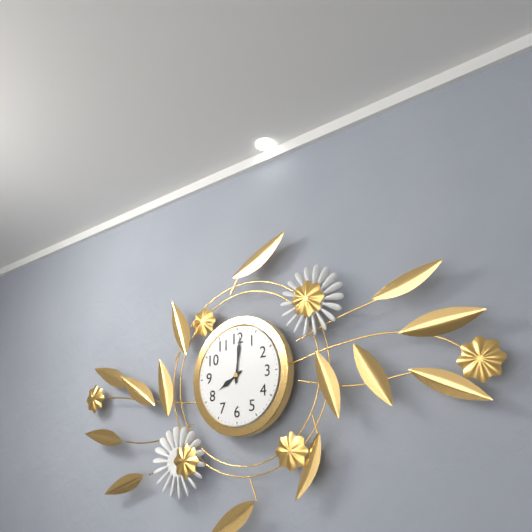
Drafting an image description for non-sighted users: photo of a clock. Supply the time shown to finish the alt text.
8:01
